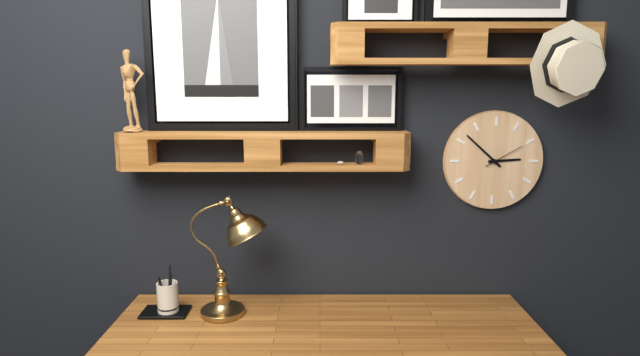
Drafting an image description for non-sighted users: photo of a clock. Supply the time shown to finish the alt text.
2:52
